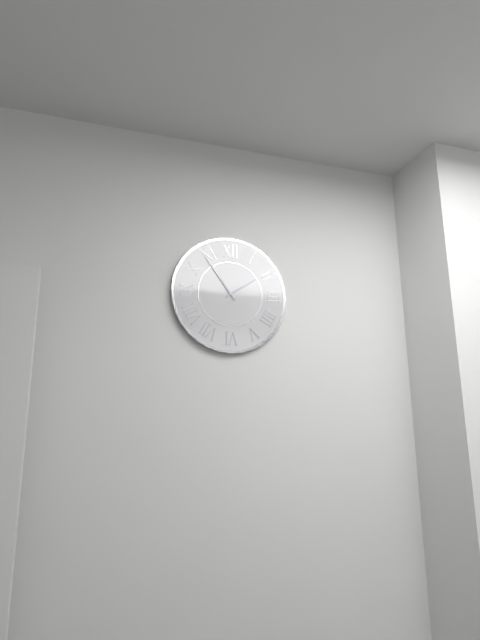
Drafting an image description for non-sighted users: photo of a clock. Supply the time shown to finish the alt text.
1:54
